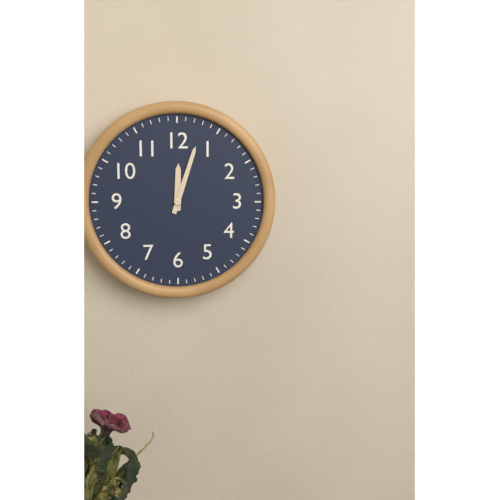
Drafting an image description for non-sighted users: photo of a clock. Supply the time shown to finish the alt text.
12:03
